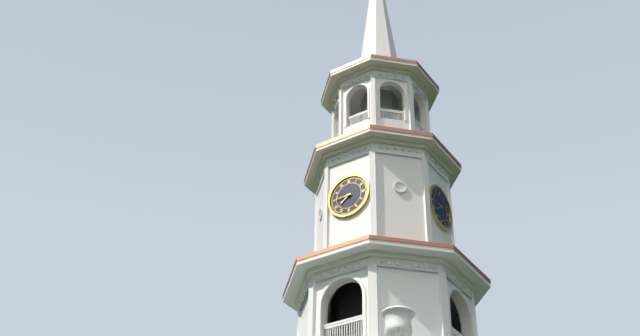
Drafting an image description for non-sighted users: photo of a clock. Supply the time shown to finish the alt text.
7:45
